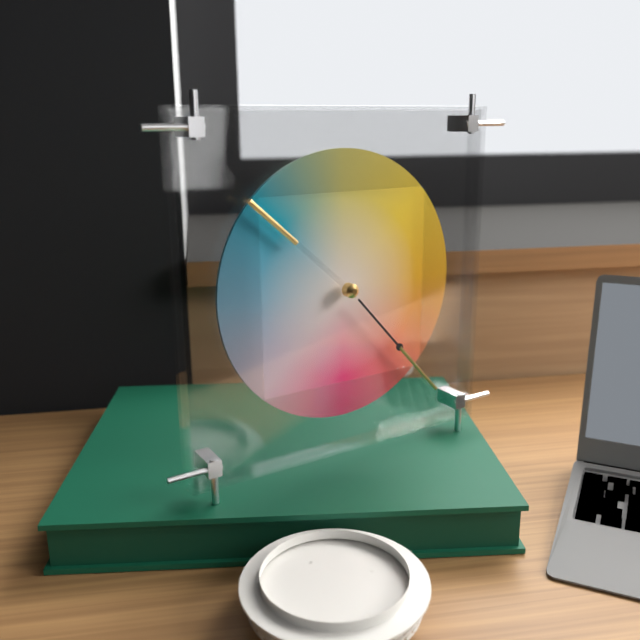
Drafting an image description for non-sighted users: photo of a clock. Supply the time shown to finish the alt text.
10:23
